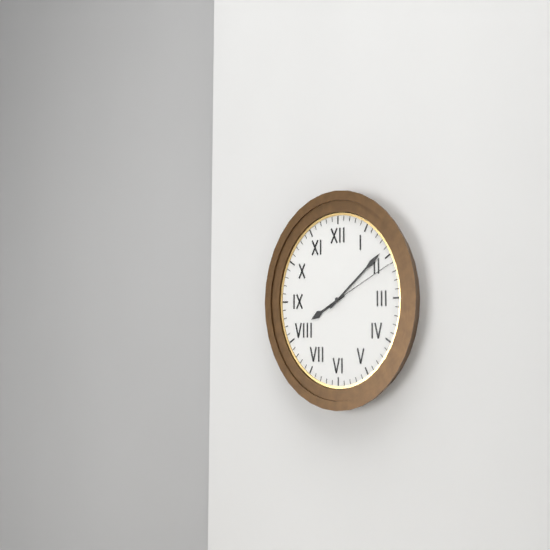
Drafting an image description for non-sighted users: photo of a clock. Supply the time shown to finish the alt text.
8:09:11
